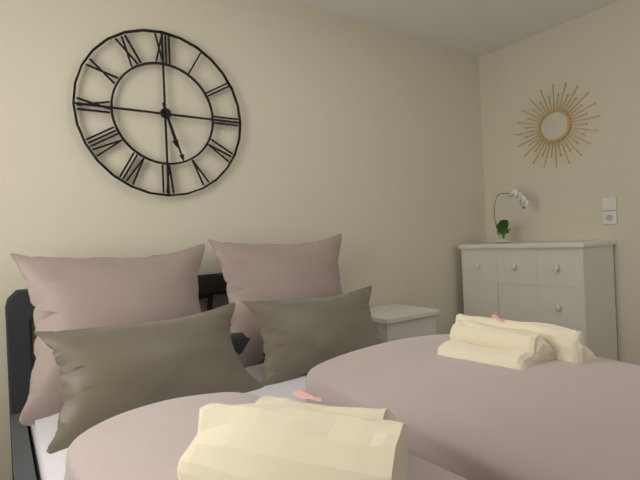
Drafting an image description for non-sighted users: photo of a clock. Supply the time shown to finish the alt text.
5:27
